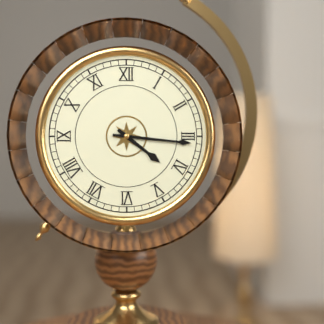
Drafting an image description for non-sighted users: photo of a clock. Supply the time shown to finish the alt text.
4:16
